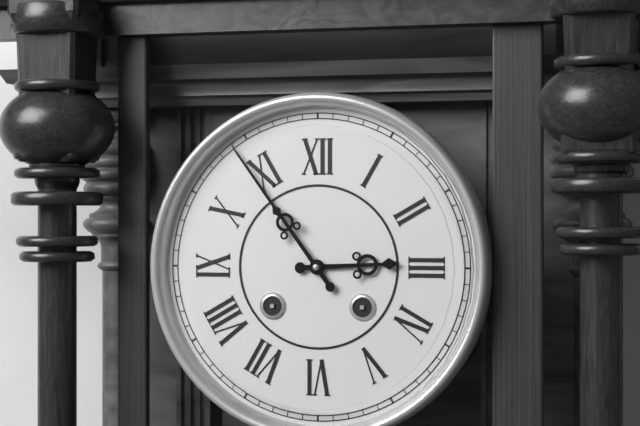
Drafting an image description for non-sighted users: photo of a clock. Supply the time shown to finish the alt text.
2:54
